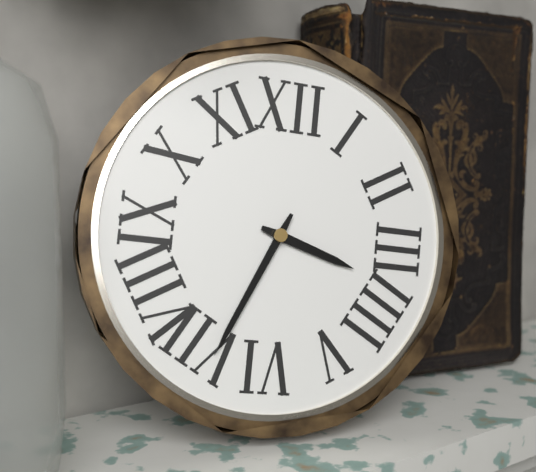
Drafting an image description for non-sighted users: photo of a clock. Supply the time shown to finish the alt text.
3:34
